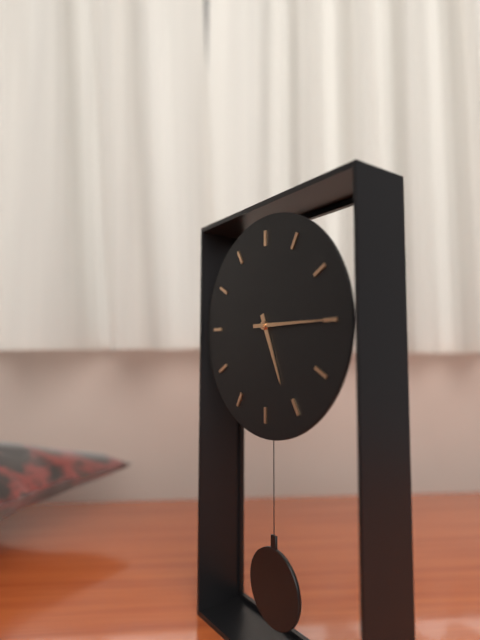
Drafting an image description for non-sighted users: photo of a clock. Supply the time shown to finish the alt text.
5:15
